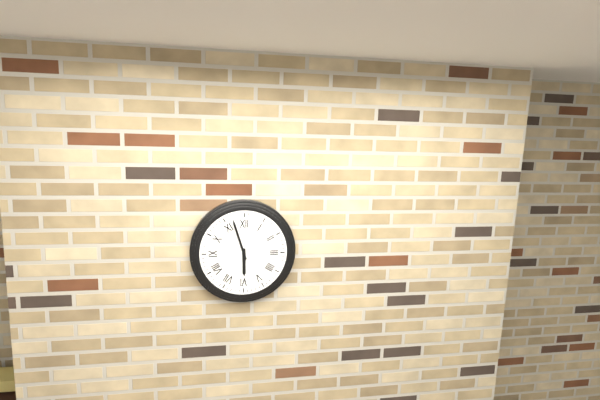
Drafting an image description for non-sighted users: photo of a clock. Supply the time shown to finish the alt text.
5:57
